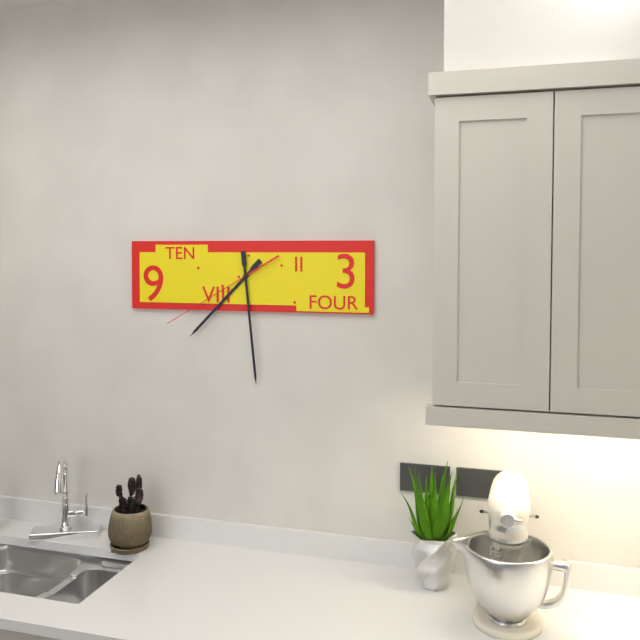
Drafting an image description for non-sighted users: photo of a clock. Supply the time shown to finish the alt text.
7:29:40
